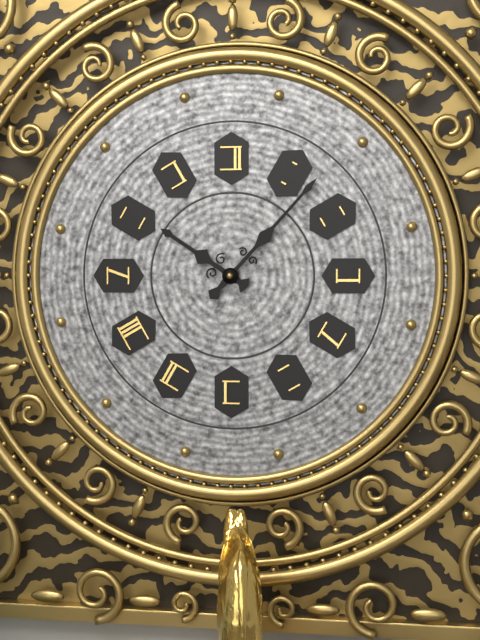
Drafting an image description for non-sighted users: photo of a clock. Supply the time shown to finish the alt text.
10:07
